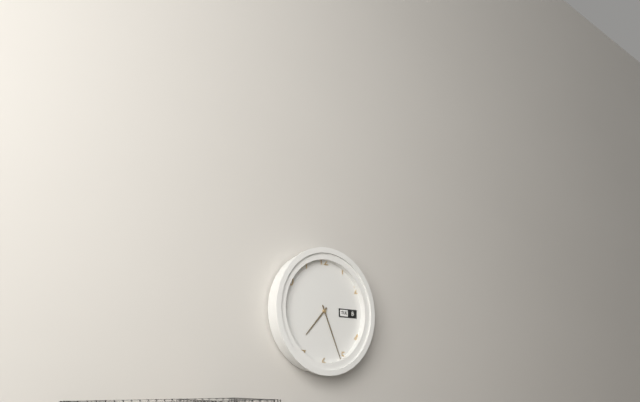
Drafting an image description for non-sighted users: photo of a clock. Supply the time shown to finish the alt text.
7:26
